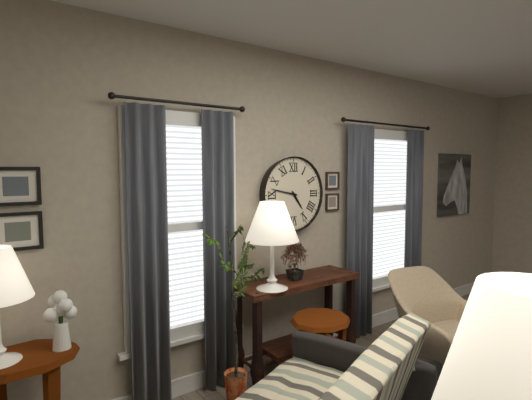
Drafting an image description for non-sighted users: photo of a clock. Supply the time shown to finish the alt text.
4:47
